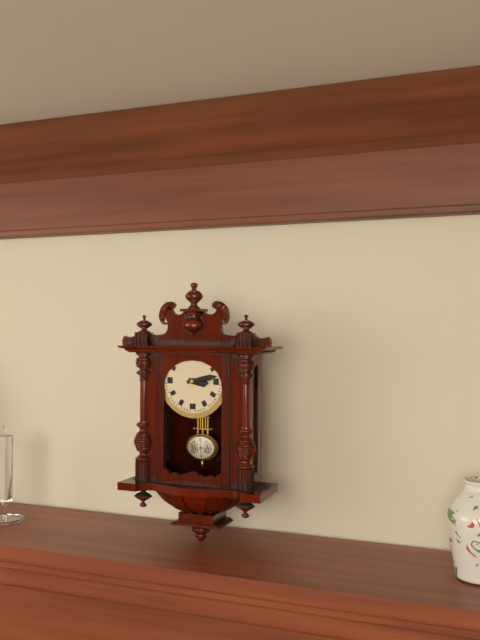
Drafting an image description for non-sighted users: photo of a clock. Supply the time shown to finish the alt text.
3:13
